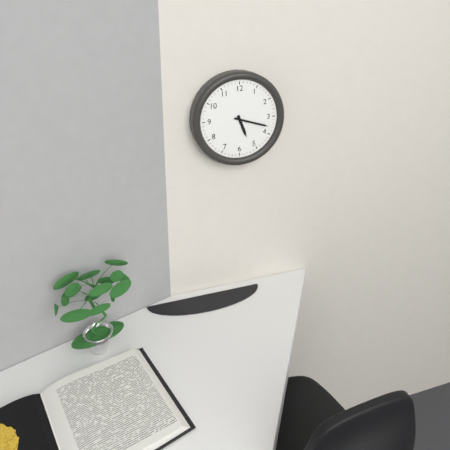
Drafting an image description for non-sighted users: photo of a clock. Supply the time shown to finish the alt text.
5:18
